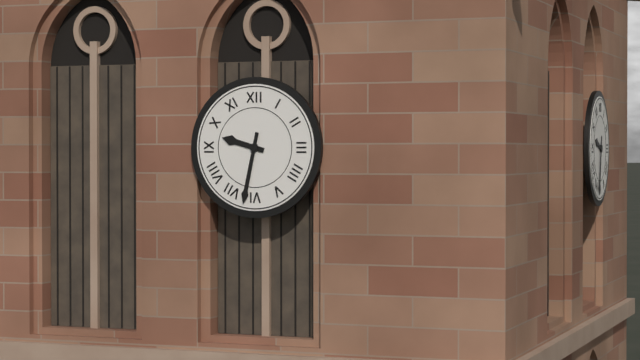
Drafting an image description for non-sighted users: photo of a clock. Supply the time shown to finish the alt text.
9:32
